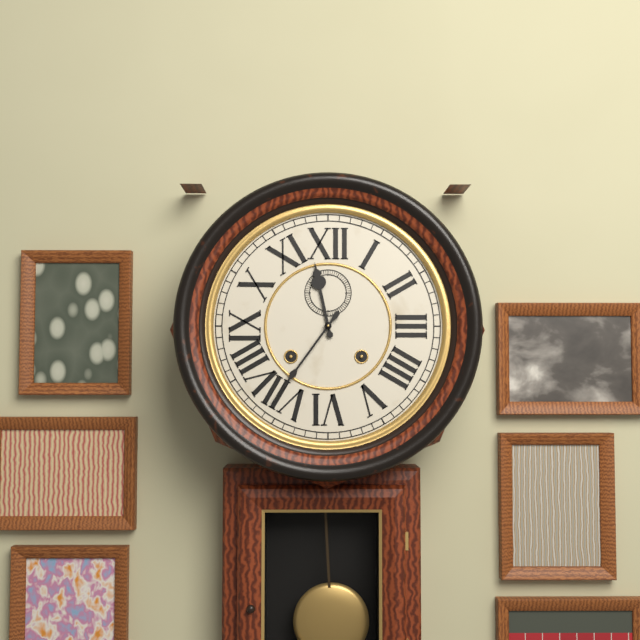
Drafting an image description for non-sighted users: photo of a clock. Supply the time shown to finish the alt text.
11:36
